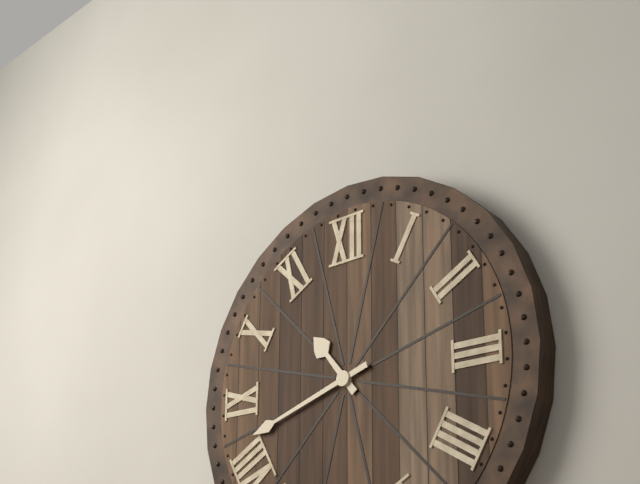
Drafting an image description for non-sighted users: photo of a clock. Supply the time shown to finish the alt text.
10:42
